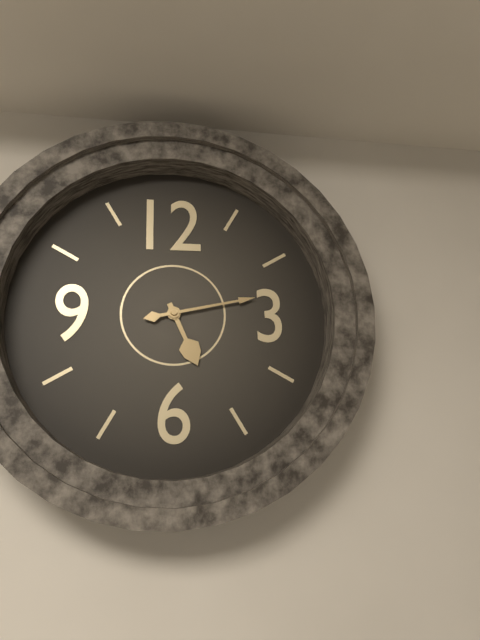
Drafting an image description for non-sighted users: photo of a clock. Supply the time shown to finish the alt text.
5:13
